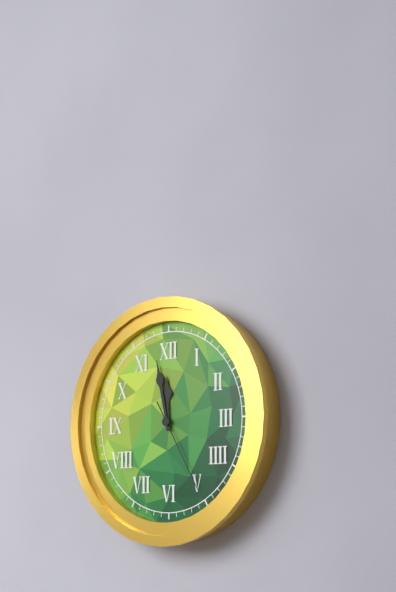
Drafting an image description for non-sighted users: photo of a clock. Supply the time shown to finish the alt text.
11:58:25
